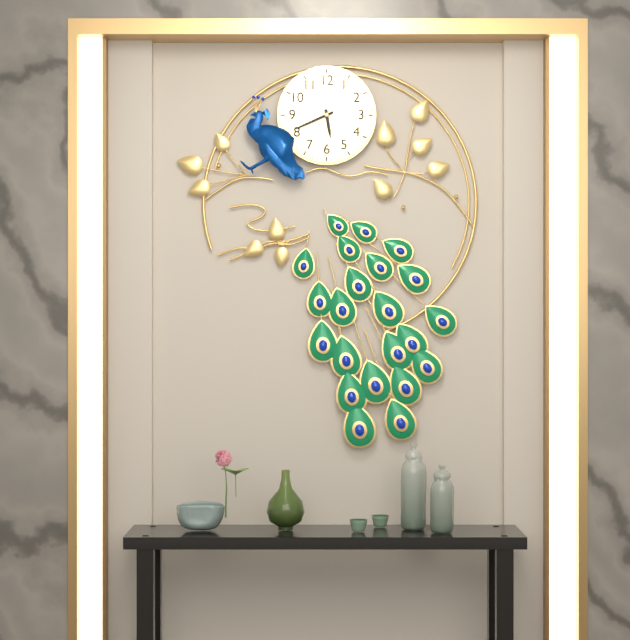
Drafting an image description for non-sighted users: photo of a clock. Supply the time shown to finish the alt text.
5:41
